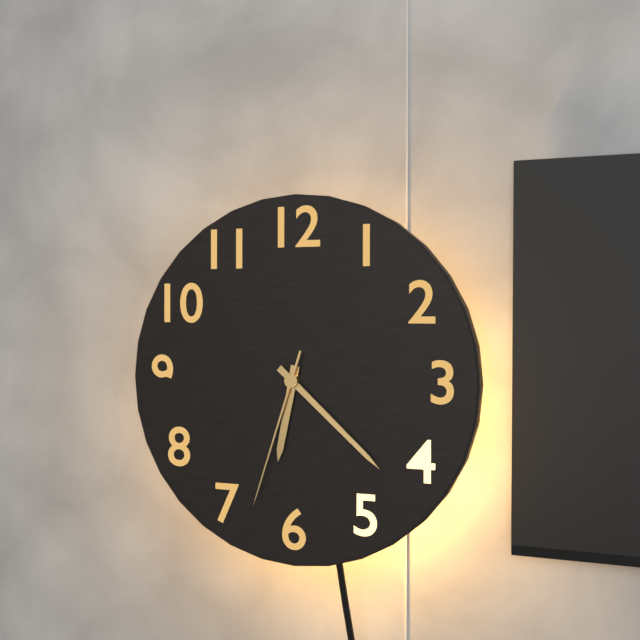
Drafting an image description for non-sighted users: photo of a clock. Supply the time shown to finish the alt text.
6:22:33
